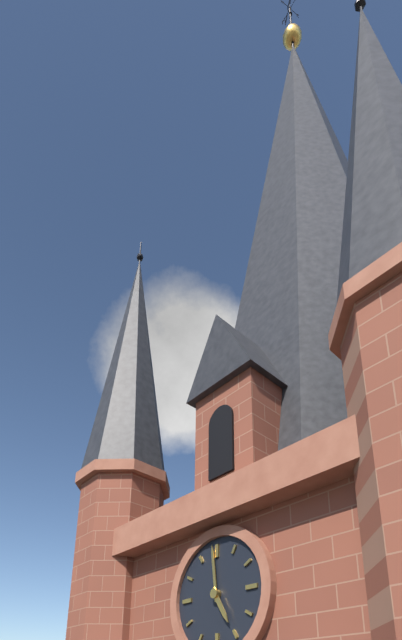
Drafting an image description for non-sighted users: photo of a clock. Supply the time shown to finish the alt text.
4:59
